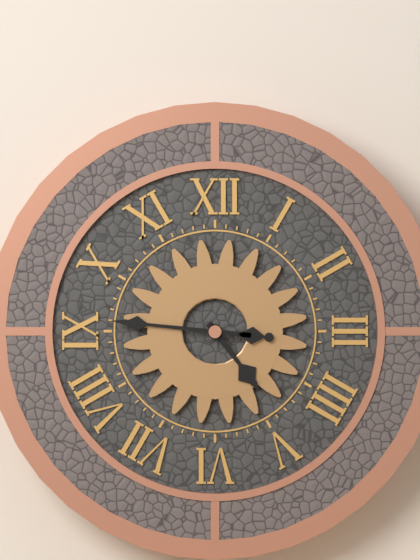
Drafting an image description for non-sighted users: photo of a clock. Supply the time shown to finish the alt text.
4:46
